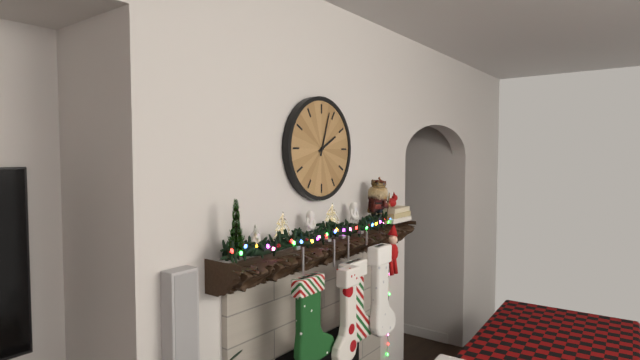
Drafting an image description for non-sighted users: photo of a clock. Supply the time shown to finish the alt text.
2:03
